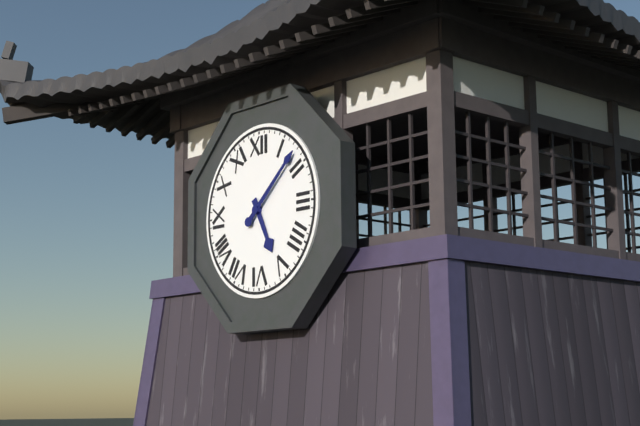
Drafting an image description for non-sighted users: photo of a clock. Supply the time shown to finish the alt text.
5:08
